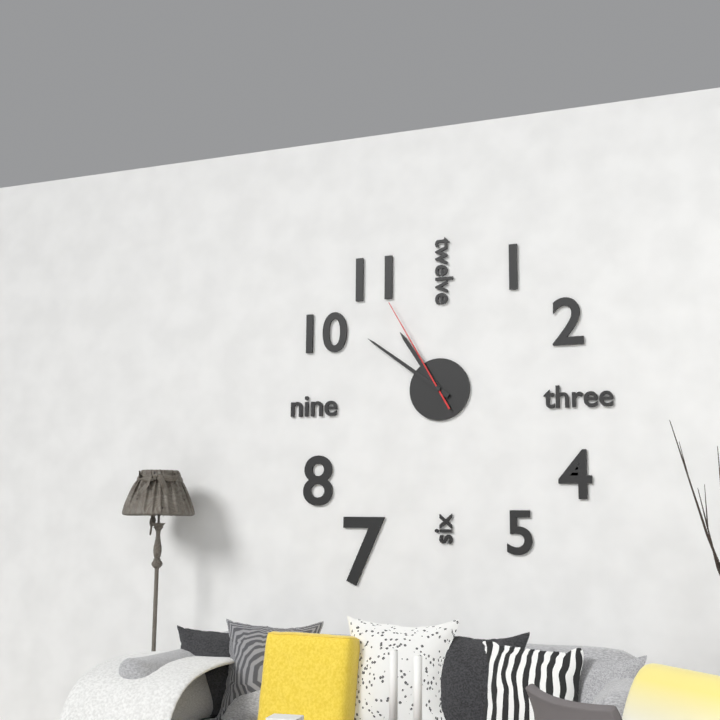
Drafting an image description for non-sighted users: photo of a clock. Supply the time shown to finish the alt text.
10:51:55
